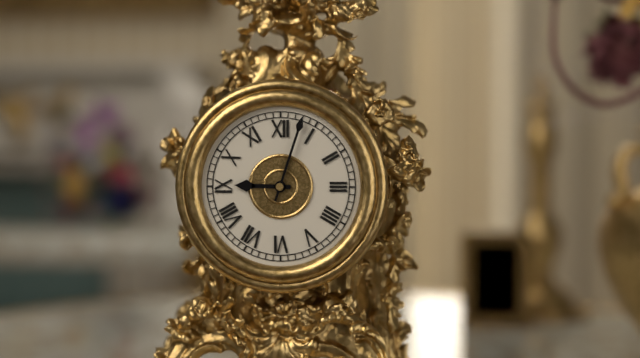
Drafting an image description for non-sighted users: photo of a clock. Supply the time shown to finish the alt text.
9:03
